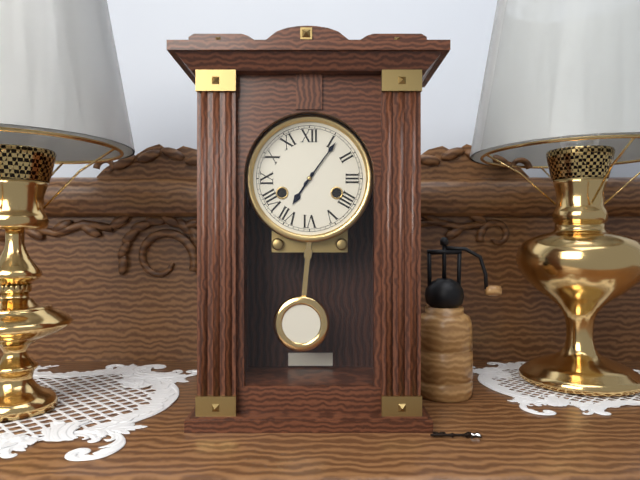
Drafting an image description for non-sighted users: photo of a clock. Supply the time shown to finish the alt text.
7:06
